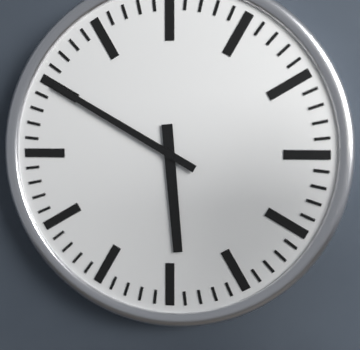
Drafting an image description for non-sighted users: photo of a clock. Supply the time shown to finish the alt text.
5:50
